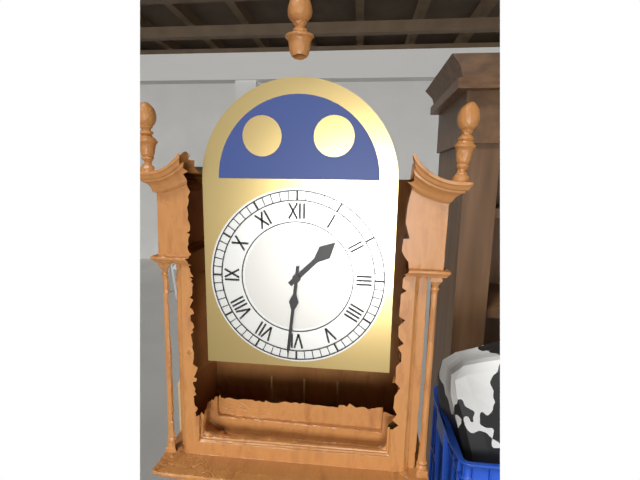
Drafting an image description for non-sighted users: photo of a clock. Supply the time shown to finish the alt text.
1:31
